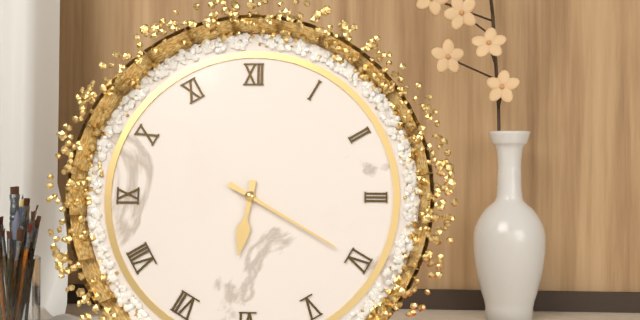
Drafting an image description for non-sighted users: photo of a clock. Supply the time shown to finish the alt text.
6:20
